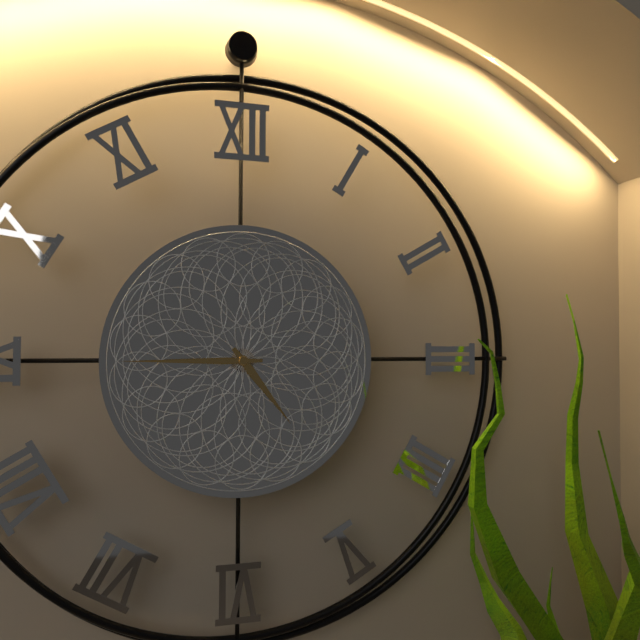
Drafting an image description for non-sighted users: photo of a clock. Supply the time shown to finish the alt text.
4:45
